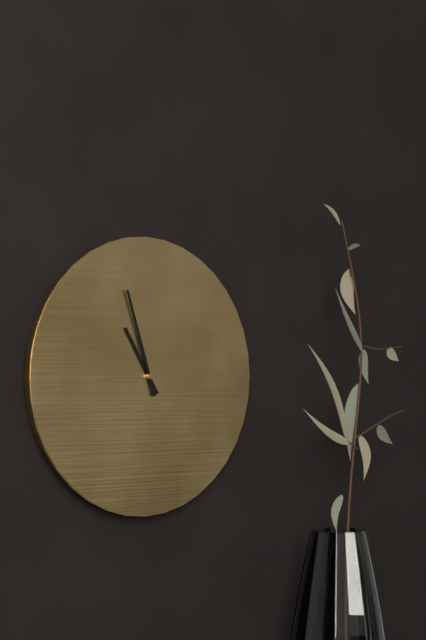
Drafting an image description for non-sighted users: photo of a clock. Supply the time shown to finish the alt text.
10:57
